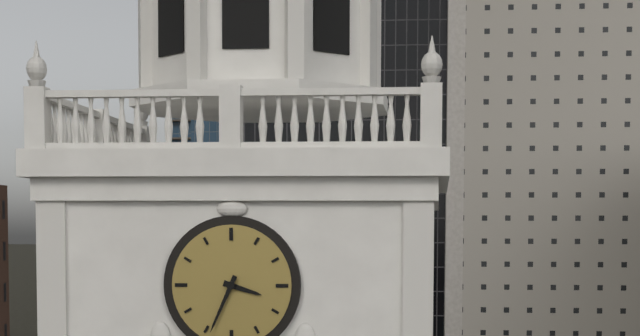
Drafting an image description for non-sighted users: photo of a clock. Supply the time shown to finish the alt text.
3:34
